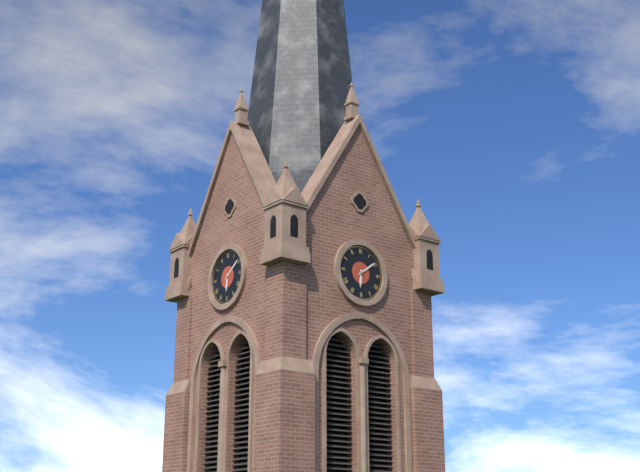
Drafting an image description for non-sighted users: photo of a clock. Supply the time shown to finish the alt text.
6:09
